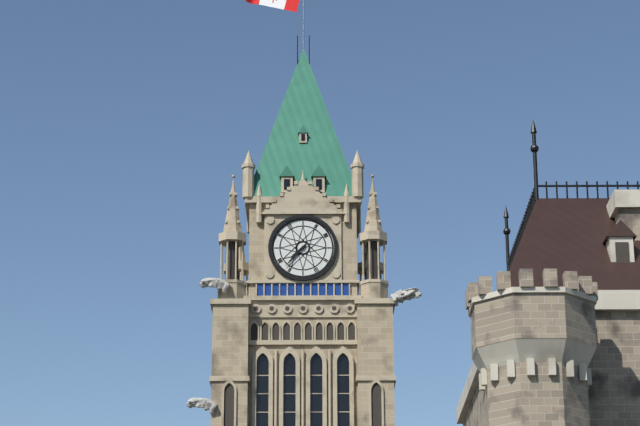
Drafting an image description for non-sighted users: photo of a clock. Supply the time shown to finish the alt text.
7:37
